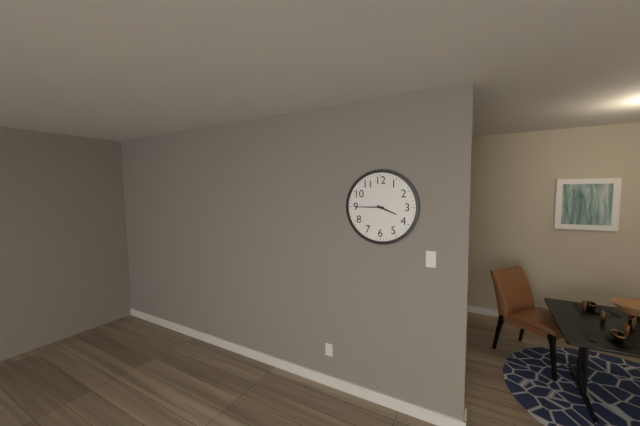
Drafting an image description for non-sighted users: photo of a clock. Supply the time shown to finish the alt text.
3:45
